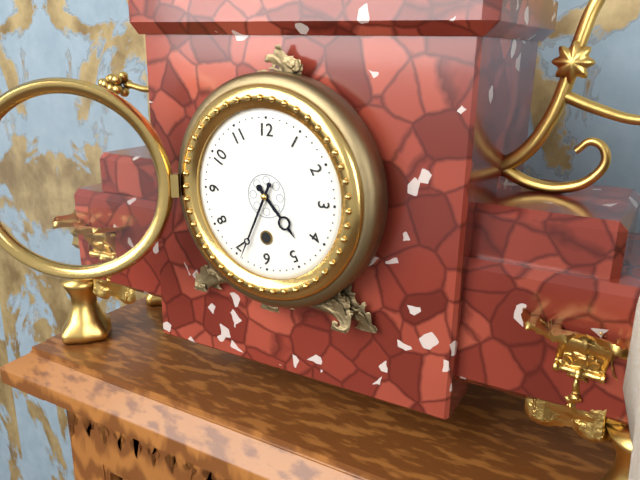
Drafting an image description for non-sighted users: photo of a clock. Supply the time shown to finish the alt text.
4:34
